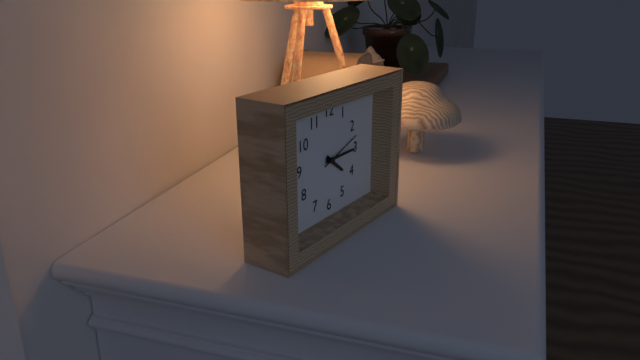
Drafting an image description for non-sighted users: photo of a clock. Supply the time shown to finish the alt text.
4:15
